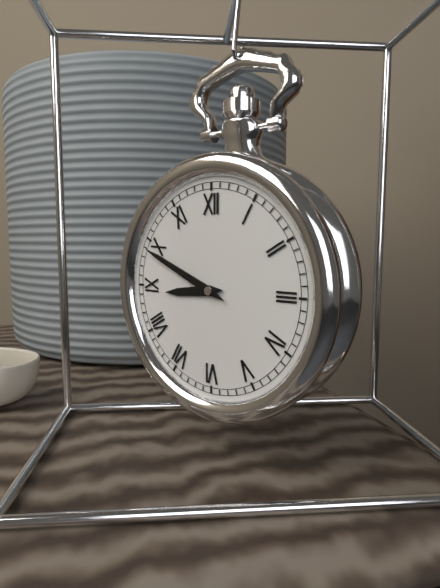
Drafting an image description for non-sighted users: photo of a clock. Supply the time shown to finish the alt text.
8:49
